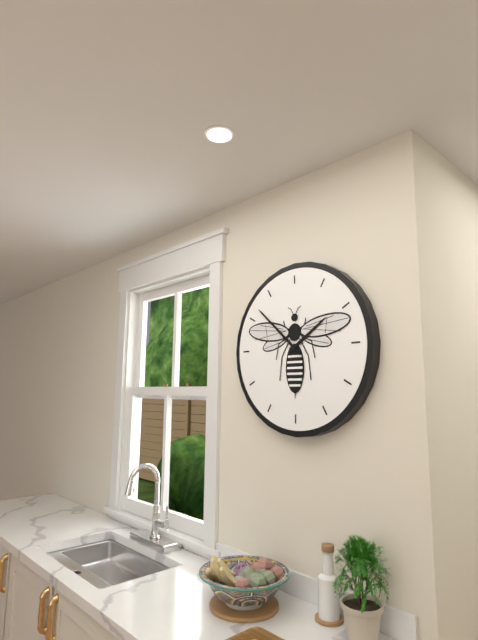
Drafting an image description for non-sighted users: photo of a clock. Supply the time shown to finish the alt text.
1:52
